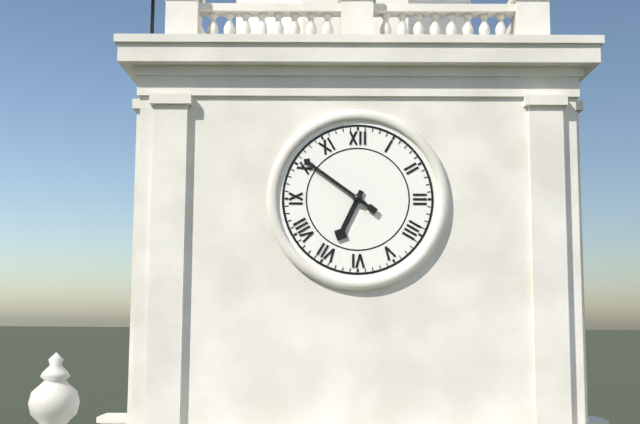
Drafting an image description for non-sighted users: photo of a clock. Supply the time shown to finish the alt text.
6:51
